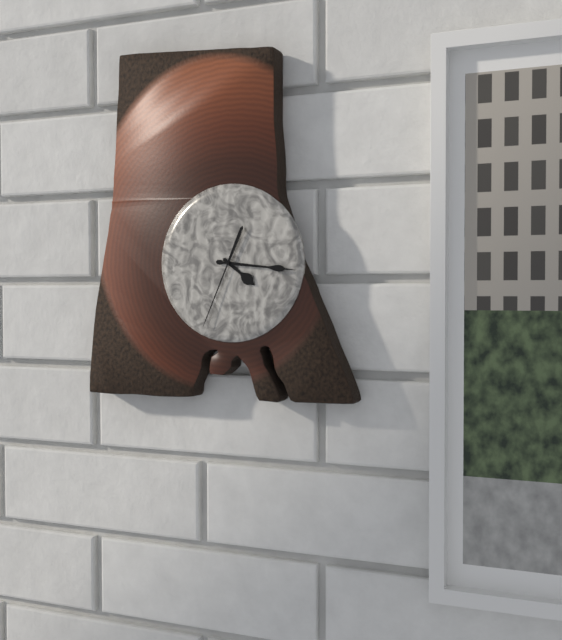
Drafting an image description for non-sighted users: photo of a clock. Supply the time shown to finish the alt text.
4:16:34
